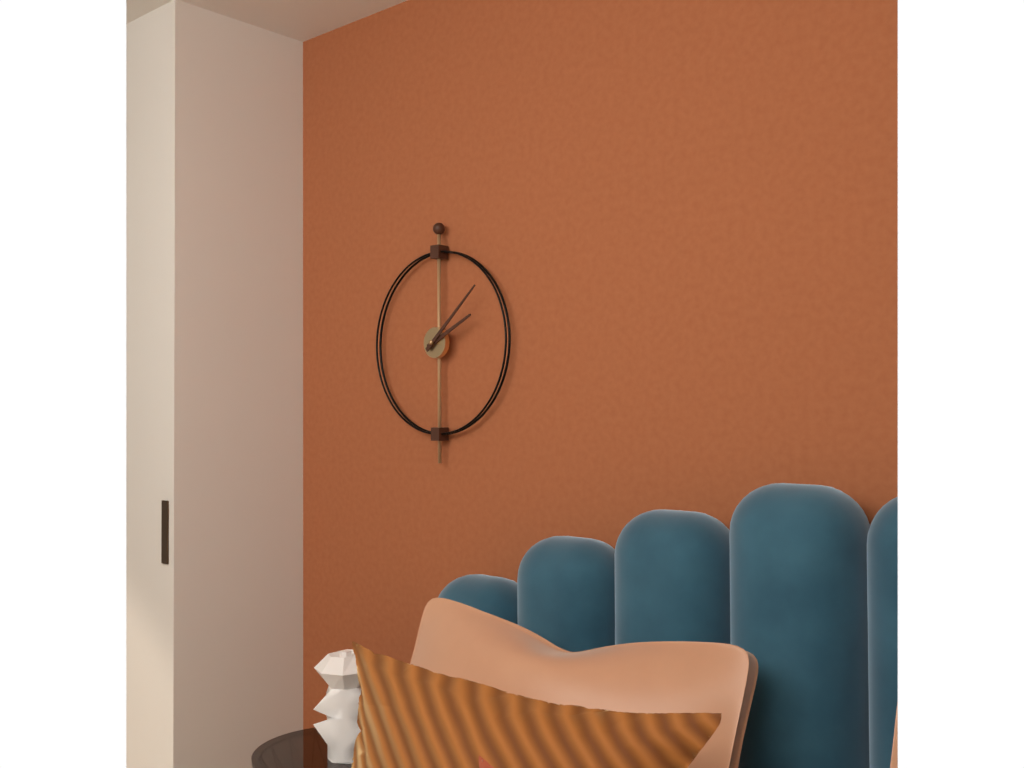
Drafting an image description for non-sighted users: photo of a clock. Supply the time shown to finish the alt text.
2:08
